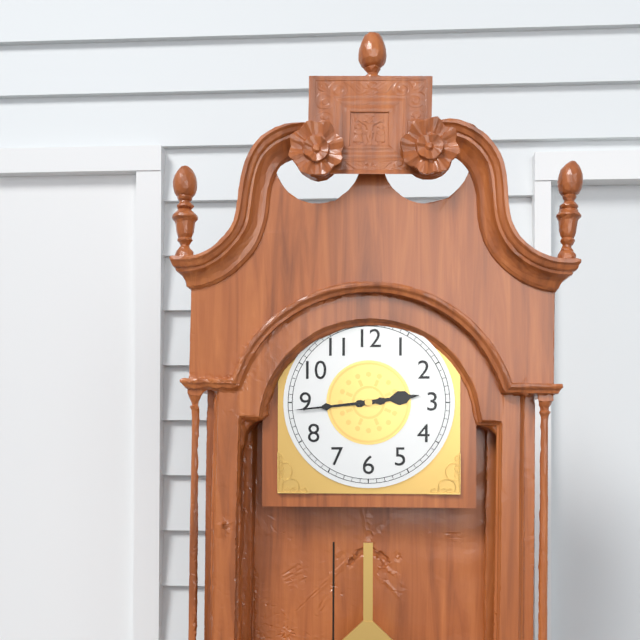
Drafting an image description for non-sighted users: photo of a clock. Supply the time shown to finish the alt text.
2:44
